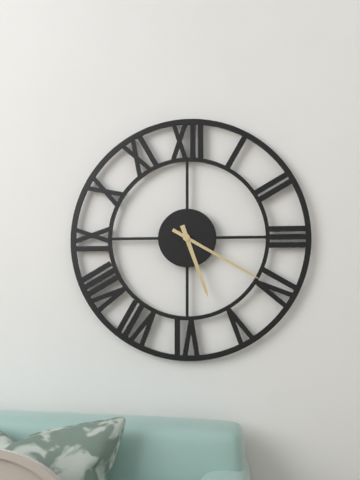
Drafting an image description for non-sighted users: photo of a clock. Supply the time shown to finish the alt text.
5:20
